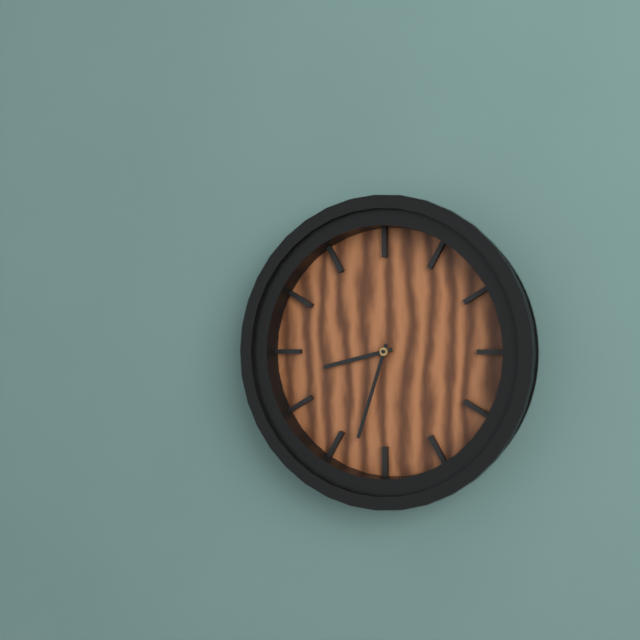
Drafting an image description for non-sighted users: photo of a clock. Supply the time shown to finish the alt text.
8:33
